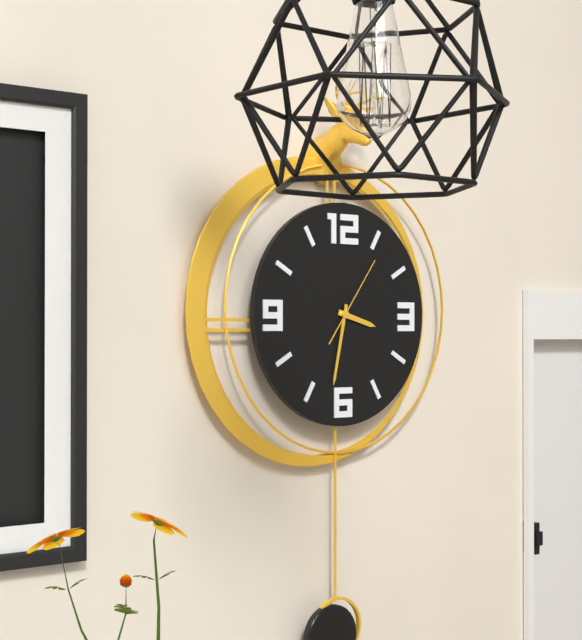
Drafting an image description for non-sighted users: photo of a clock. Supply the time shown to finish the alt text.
3:32:06
